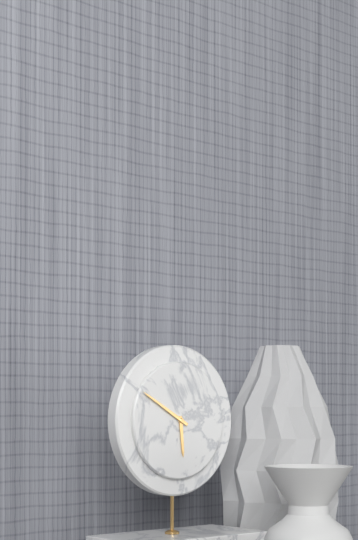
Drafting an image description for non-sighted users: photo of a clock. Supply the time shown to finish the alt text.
5:50
